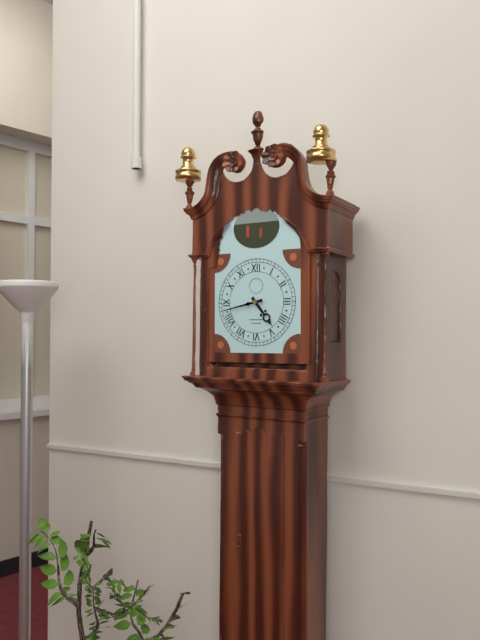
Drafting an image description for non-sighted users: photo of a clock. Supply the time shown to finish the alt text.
4:43
